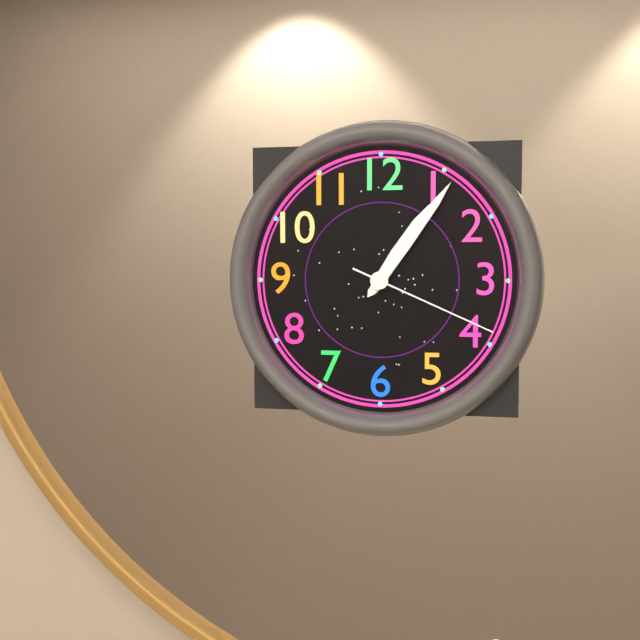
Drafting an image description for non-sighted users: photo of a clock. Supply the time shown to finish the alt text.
1:06:19
